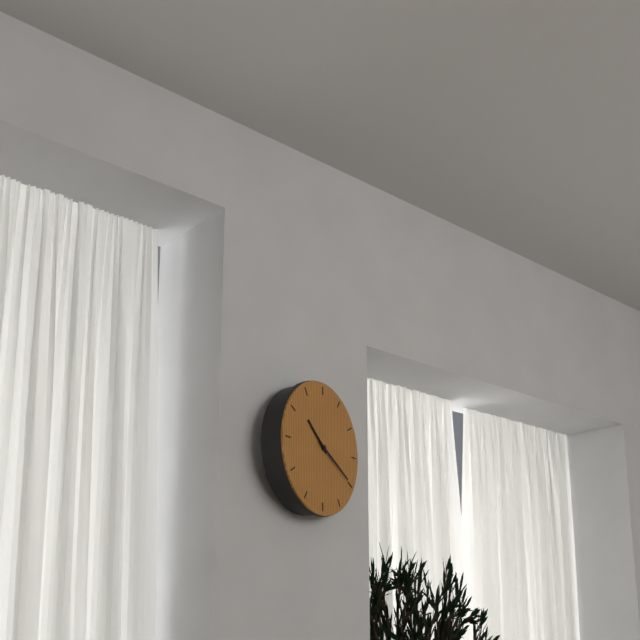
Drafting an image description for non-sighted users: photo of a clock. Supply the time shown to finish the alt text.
10:20
